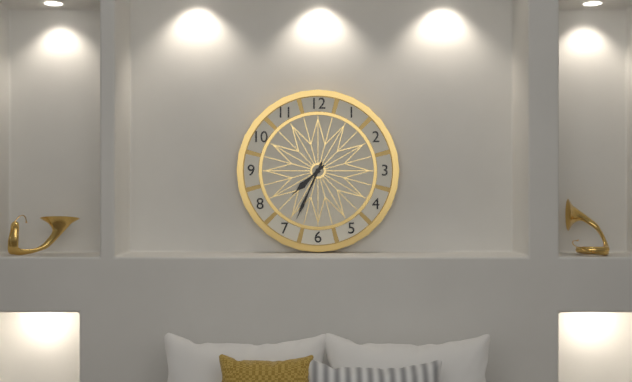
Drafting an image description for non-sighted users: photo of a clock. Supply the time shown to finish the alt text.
7:34
